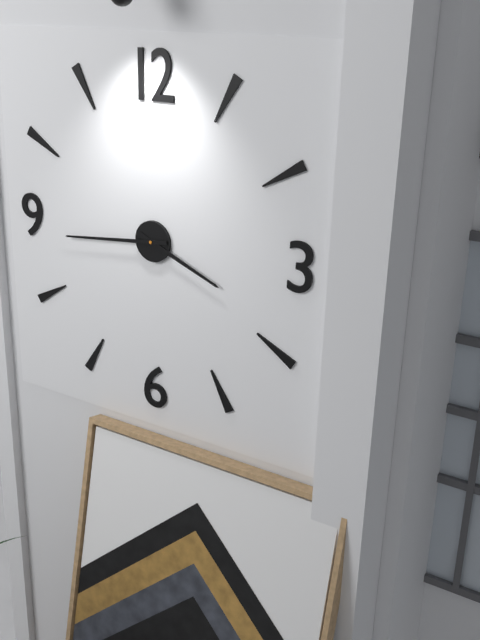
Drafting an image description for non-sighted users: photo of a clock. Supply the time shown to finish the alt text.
3:44
